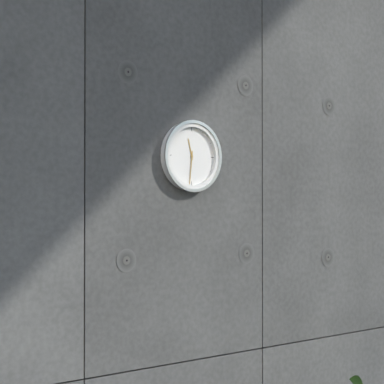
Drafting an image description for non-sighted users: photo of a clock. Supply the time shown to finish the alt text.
11:31
